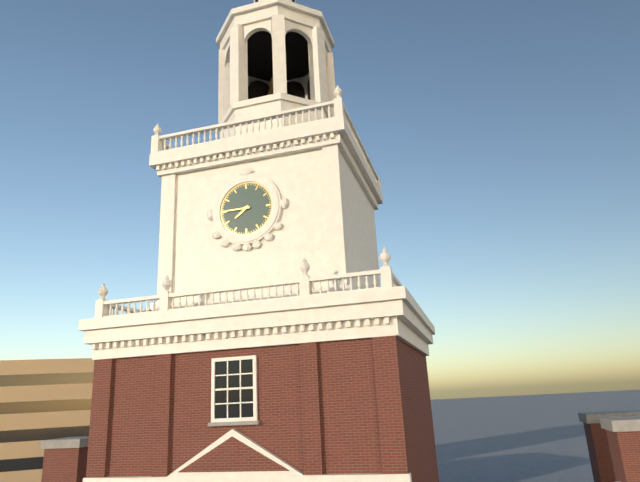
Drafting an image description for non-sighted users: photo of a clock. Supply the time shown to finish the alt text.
7:45
